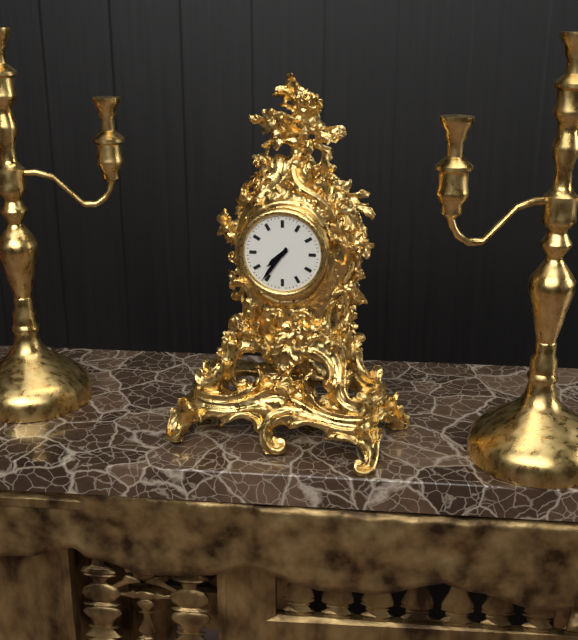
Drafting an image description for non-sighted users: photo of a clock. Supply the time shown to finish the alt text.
7:36
